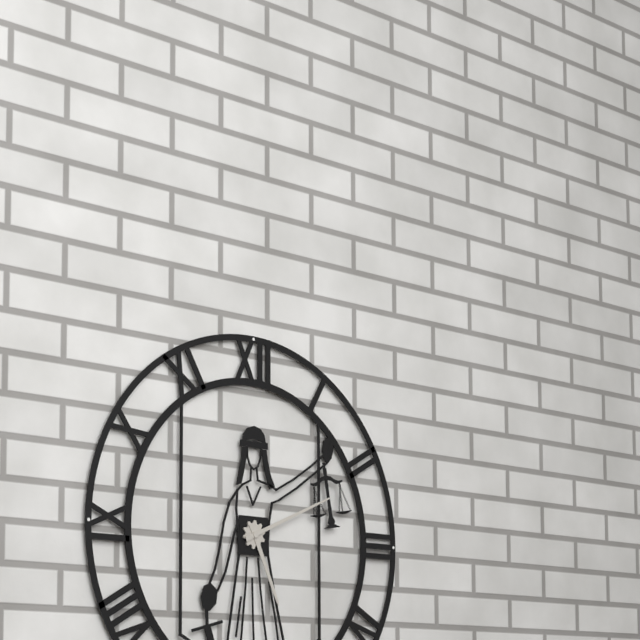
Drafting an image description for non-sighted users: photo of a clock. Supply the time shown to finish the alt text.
5:11
